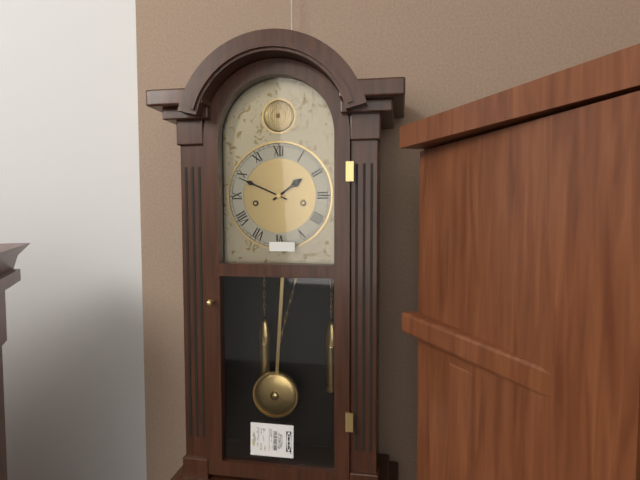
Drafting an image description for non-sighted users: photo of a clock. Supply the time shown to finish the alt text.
1:49
